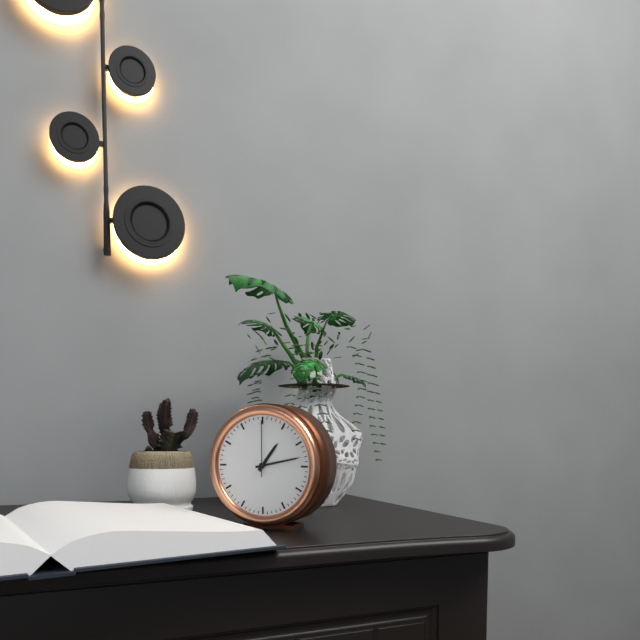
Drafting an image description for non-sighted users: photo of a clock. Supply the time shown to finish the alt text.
1:13:00
